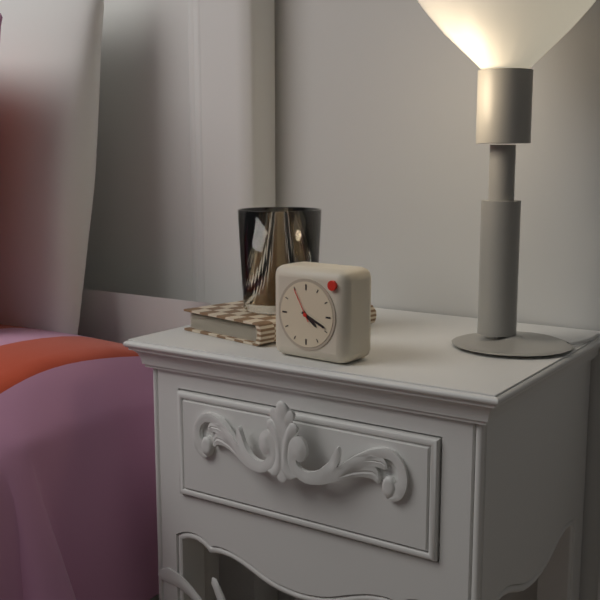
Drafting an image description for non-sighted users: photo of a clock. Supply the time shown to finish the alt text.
4:19
